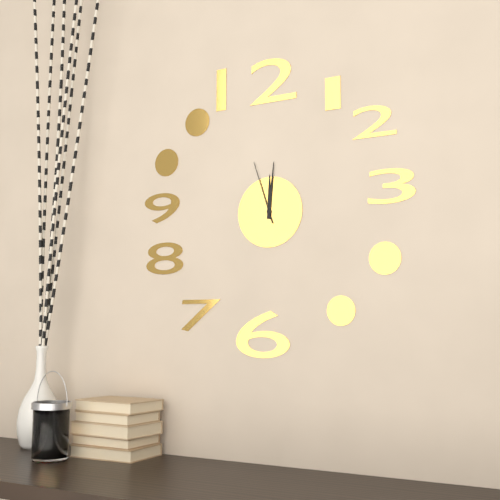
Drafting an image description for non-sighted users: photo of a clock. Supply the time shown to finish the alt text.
12:01:57
